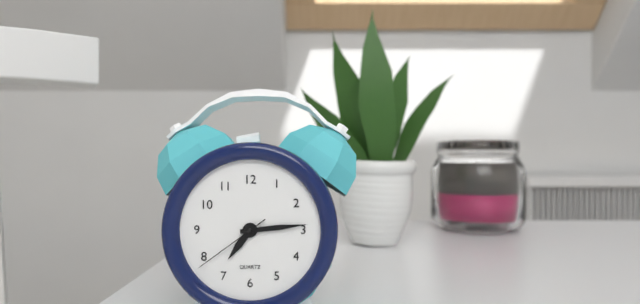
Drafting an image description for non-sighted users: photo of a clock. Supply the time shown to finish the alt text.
7:14:39
